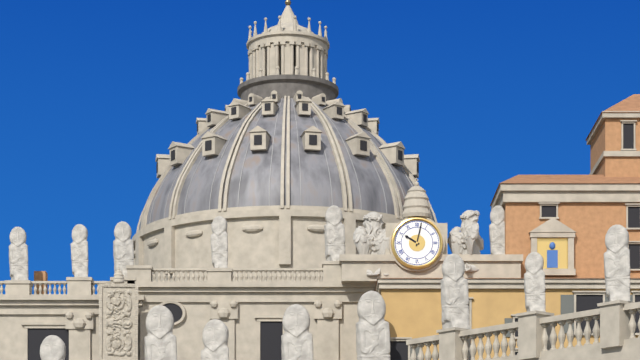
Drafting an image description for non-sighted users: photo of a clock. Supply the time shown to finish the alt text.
10:02
